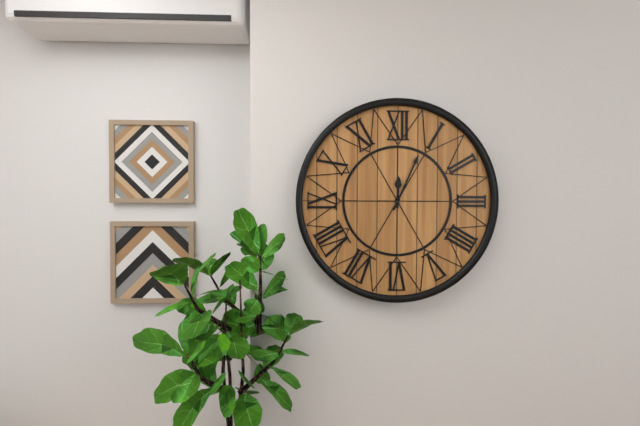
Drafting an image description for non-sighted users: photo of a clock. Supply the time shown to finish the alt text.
12:04
